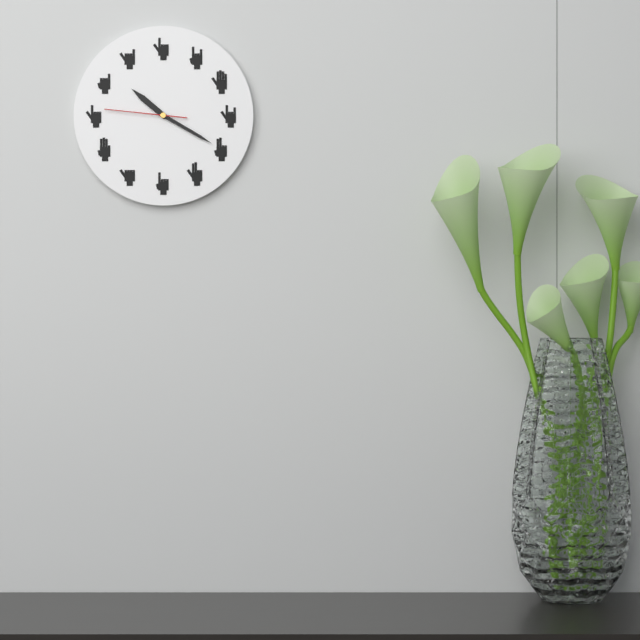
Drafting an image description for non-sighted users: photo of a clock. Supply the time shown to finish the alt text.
10:20:46
